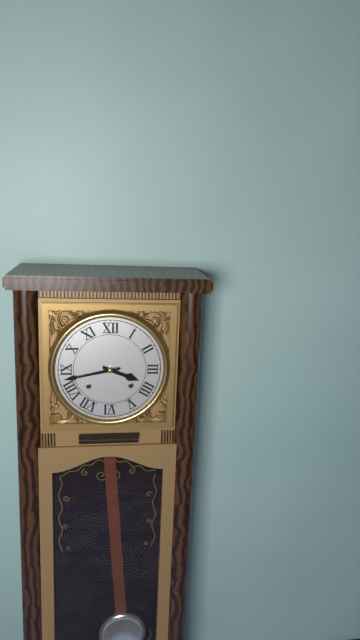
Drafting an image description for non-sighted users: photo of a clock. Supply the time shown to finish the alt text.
3:43
